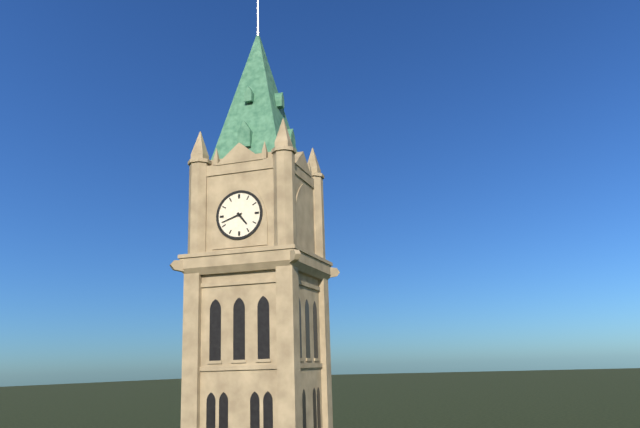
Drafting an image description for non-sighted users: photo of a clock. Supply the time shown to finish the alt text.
4:42
